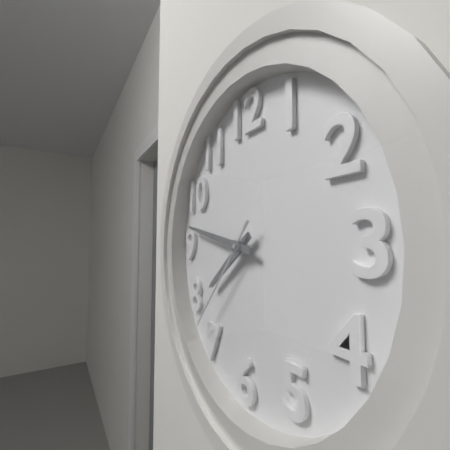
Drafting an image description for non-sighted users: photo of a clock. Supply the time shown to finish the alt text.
7:47:37
